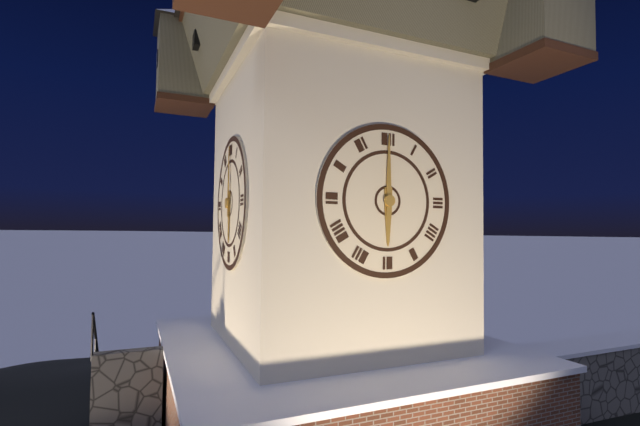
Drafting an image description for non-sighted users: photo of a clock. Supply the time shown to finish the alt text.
6:00
